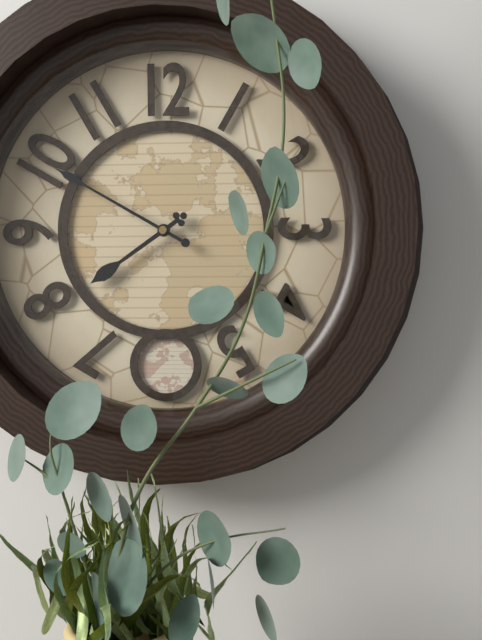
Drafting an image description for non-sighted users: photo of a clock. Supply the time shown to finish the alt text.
7:50
